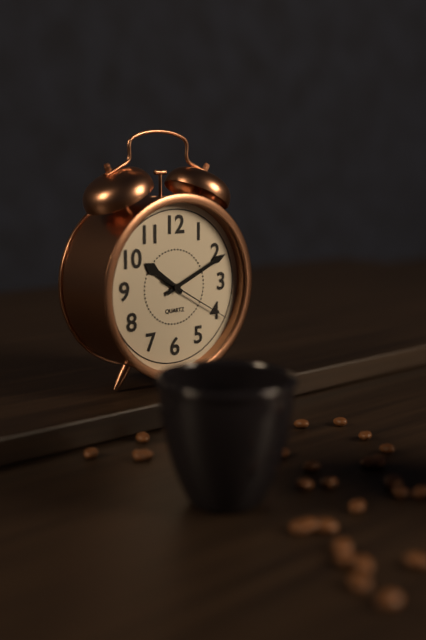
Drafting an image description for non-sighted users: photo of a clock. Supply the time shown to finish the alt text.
10:11:20
